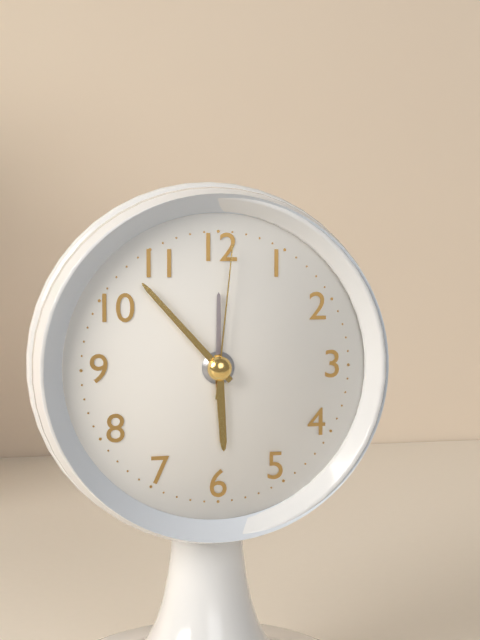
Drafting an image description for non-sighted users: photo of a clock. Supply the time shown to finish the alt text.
5:53:01
